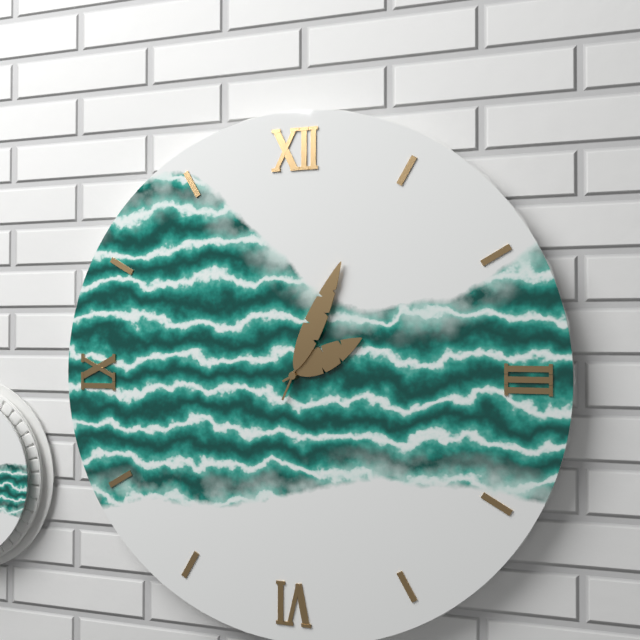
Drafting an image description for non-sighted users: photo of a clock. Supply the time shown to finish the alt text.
2:04
